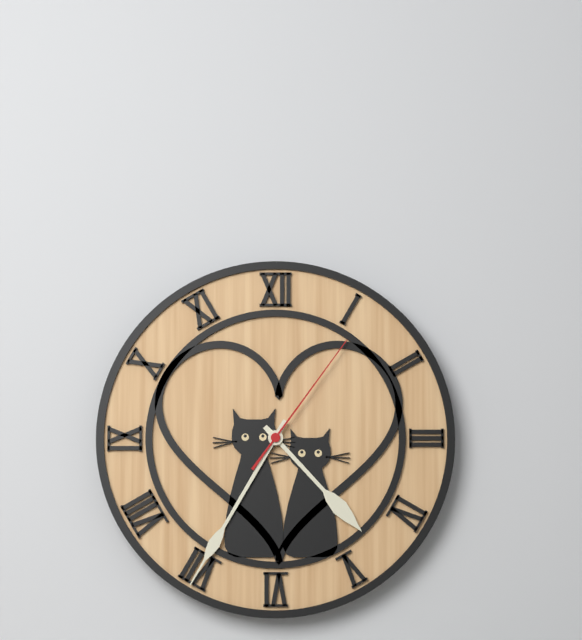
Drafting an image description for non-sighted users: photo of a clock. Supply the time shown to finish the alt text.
4:35:06
